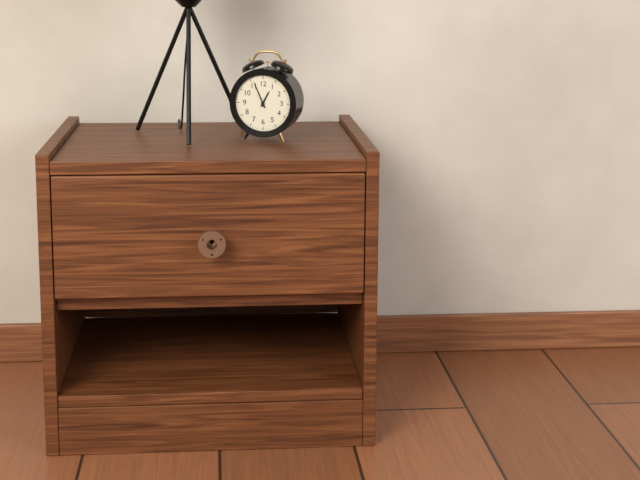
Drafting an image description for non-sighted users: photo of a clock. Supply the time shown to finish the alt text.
12:56
